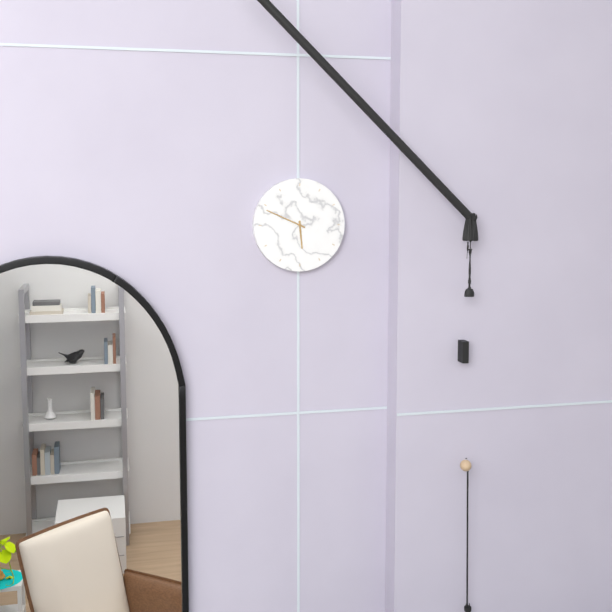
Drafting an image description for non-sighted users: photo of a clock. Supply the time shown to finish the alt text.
5:49
